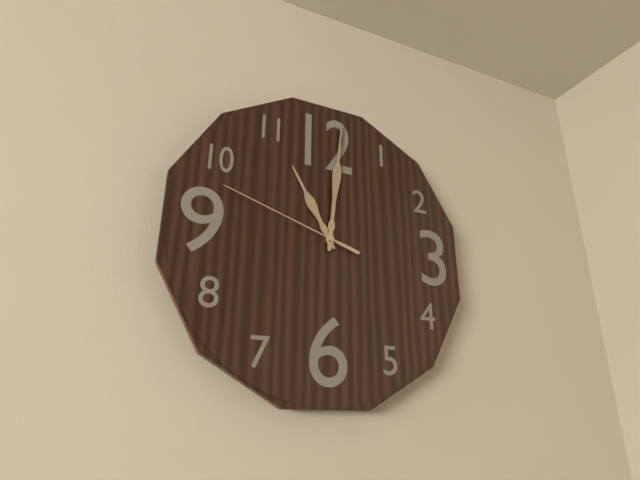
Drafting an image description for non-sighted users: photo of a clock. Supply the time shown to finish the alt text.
11:01:48
